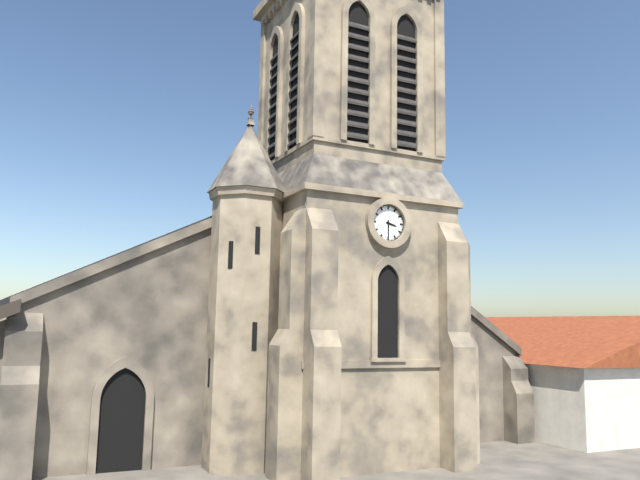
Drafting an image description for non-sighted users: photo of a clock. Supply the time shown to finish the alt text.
3:30
